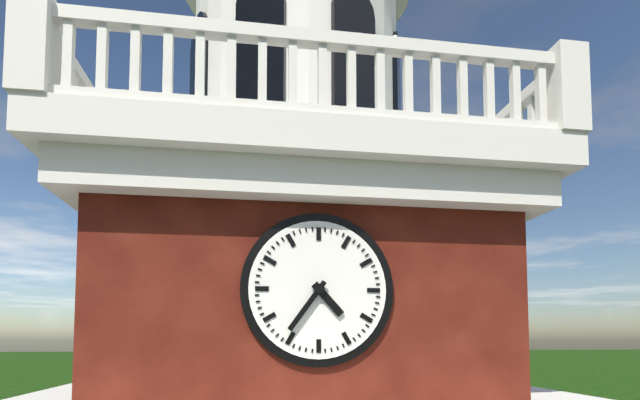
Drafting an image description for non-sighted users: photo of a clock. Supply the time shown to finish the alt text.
4:36
